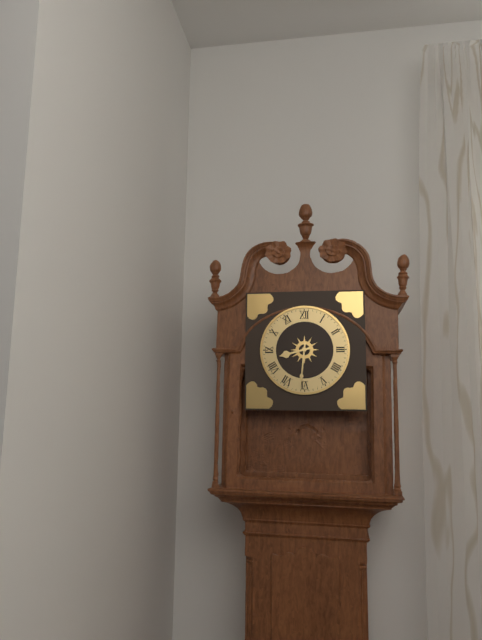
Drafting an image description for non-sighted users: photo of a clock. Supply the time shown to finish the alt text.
8:31
